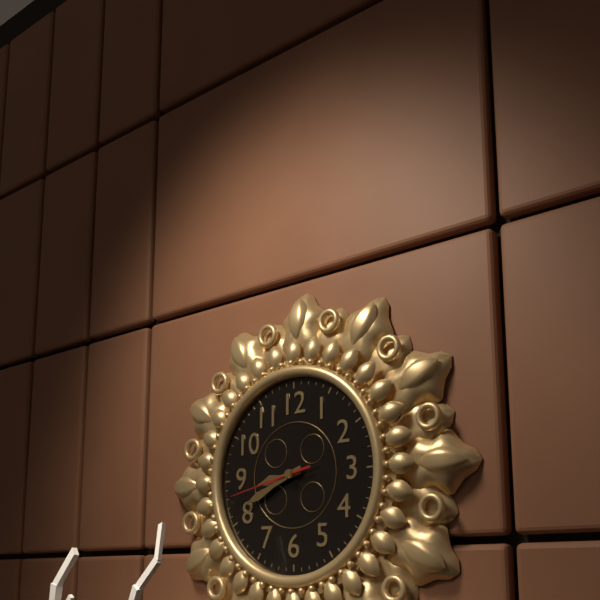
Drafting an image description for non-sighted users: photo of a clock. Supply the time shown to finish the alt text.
8:41:43
